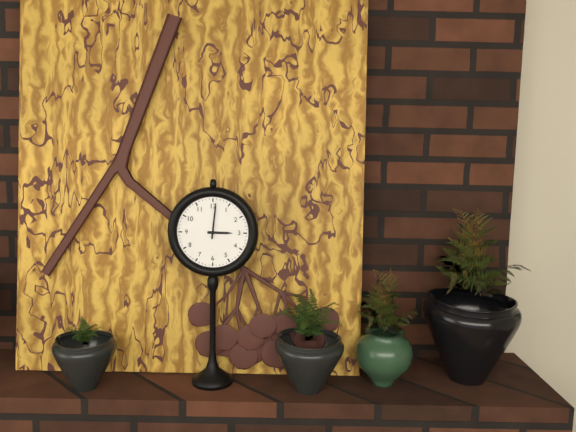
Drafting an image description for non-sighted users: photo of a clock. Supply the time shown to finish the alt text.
3:01
